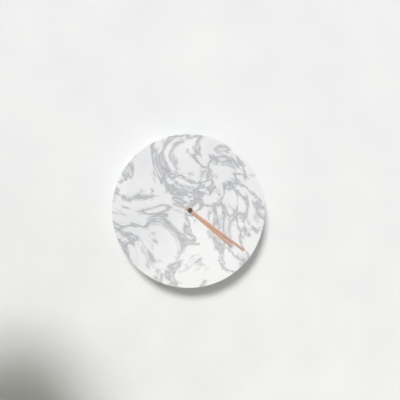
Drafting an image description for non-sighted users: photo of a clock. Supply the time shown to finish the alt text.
4:21
